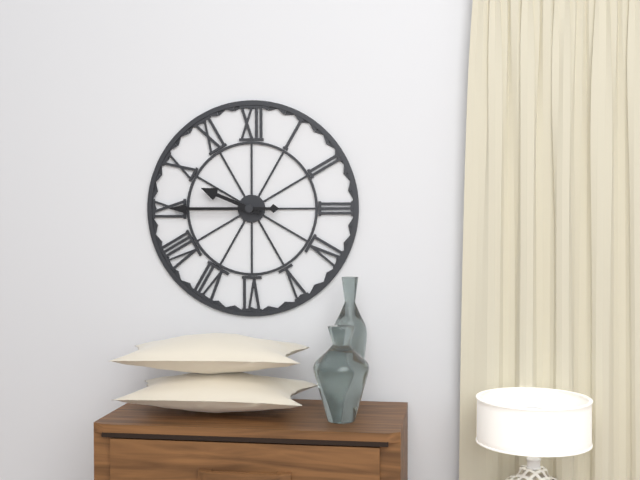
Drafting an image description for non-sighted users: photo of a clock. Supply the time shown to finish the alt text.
9:45
